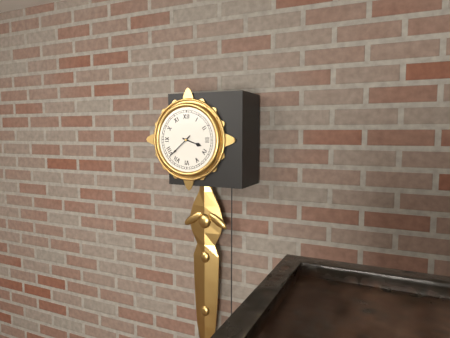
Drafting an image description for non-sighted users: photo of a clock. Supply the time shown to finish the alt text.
3:38
